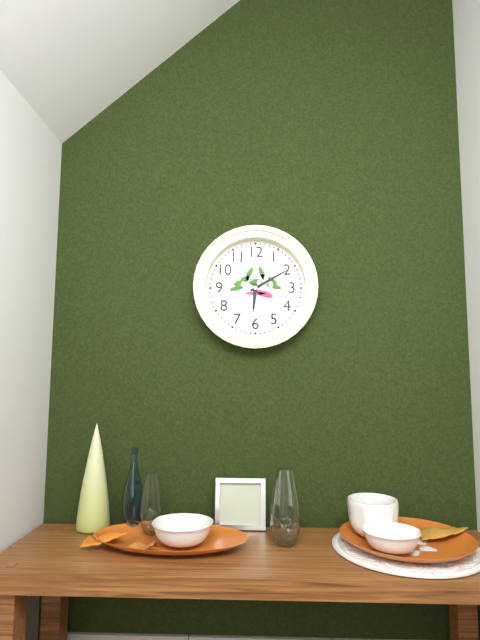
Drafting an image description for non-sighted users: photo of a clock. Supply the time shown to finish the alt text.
6:10:55
